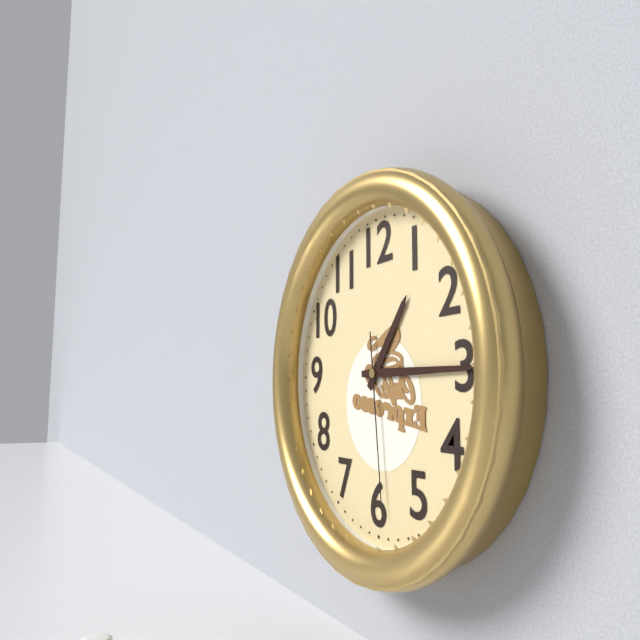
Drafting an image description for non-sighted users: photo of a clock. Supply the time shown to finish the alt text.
1:15:29
